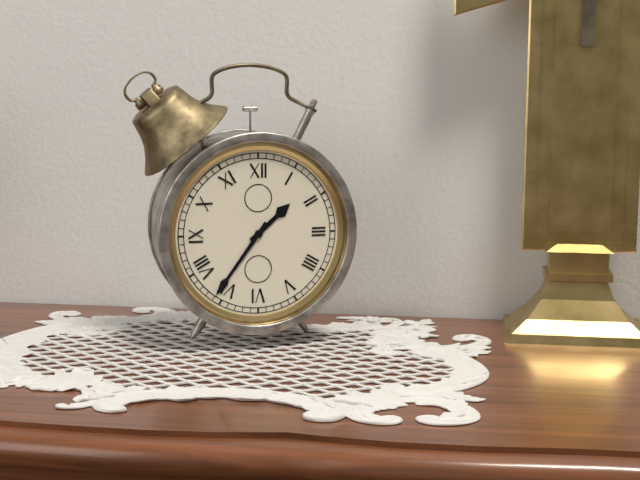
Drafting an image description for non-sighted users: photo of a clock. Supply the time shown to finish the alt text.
1:36
